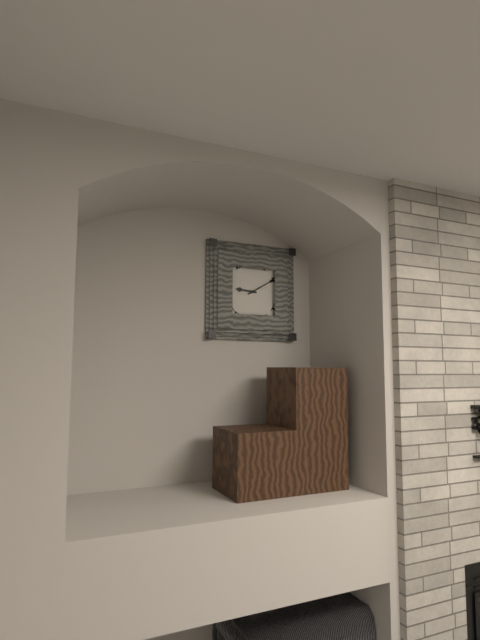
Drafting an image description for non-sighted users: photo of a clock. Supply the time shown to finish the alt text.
9:10
